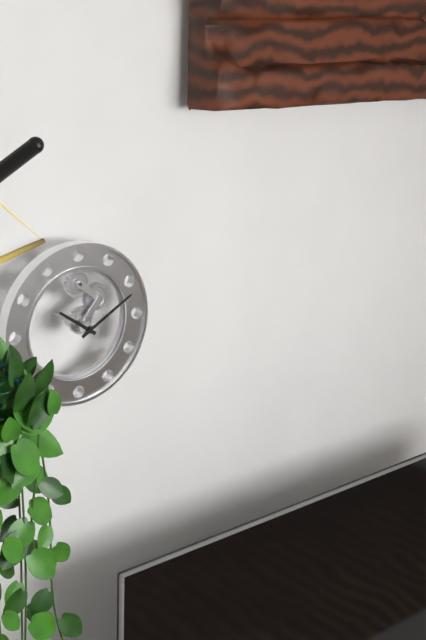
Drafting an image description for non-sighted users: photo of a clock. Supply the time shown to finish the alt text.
10:10
